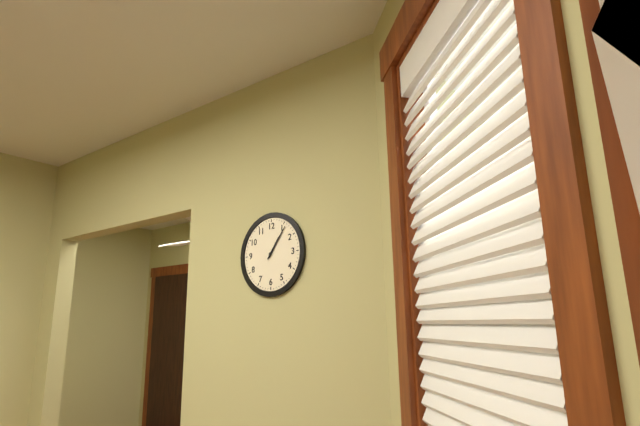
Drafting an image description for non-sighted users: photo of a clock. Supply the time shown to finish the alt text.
1:06
